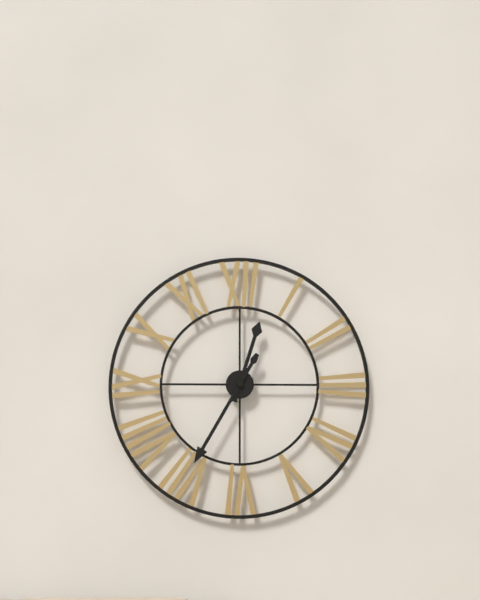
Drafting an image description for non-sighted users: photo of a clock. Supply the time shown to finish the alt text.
12:35
